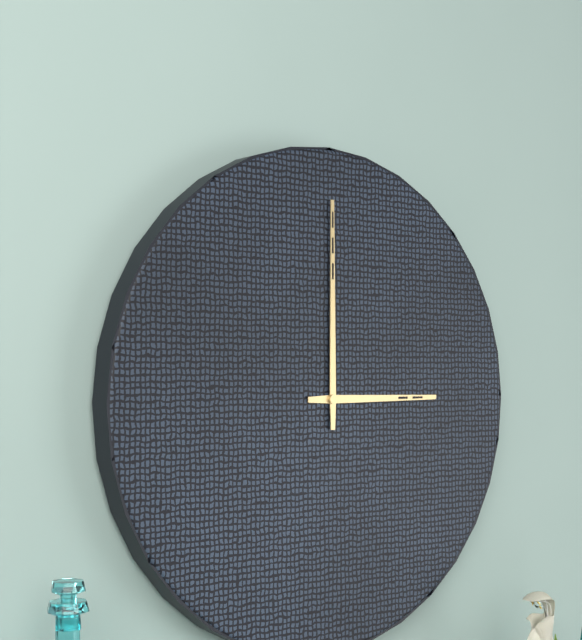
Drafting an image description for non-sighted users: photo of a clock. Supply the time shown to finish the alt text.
3:00
